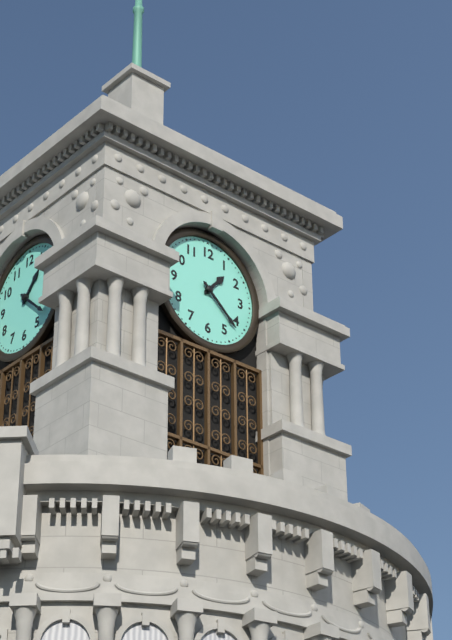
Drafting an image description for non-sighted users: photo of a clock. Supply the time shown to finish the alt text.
1:22
